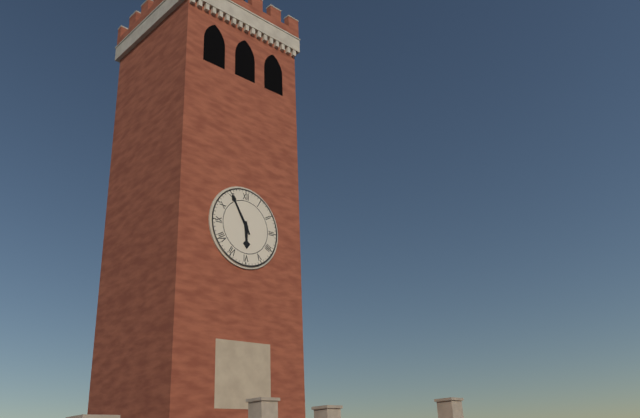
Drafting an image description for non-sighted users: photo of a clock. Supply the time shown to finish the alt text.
5:55
